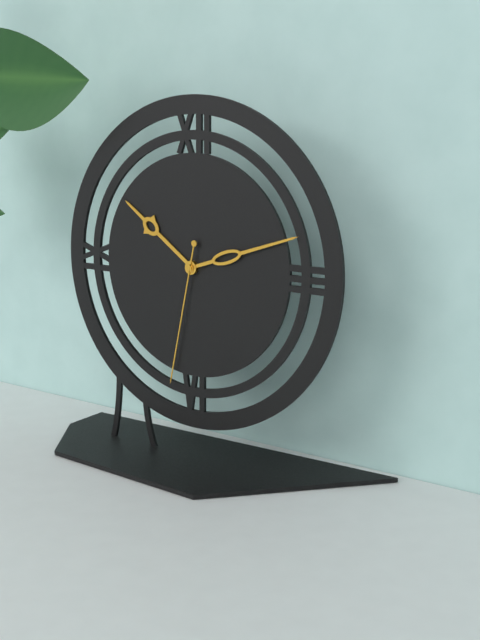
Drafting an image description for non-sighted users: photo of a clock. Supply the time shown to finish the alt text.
10:12:32
